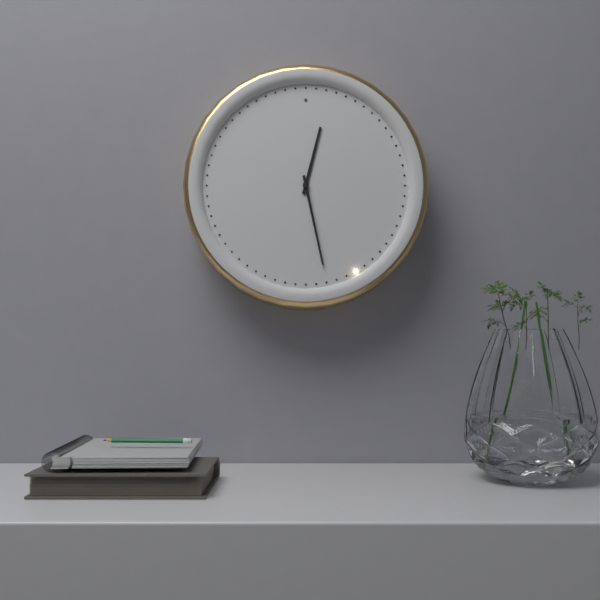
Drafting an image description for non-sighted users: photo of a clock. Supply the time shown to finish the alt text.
12:28
